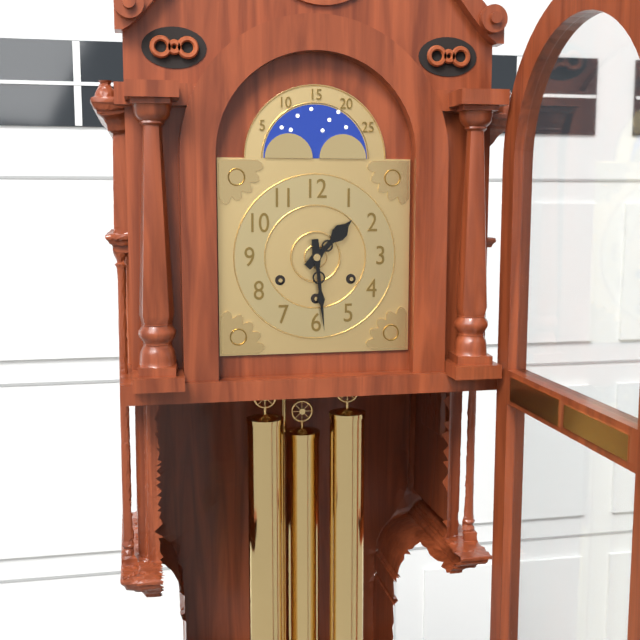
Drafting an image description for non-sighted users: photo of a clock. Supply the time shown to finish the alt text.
1:29
